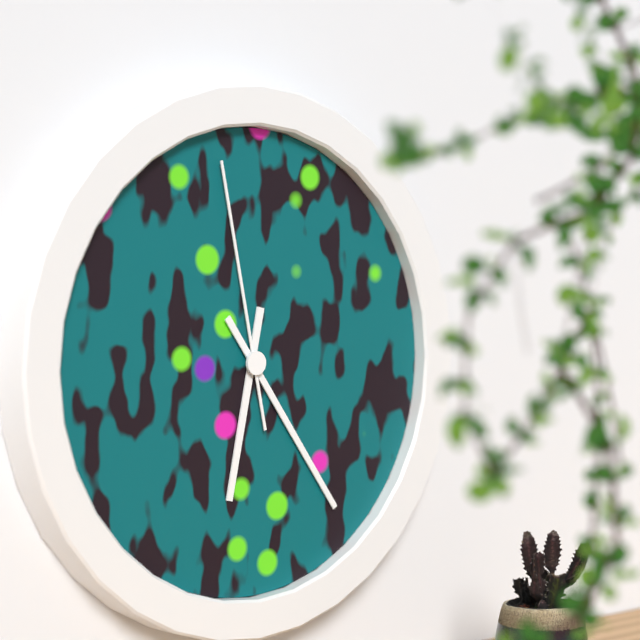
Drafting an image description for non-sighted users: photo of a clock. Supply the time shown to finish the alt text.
6:24:58
